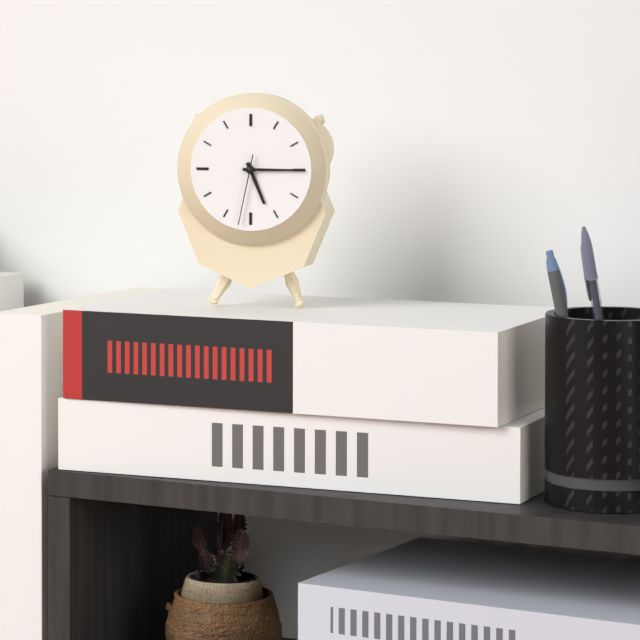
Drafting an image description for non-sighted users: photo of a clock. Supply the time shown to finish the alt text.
5:15:32
